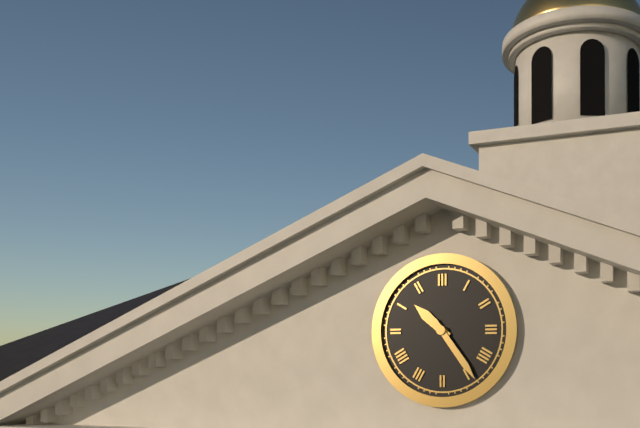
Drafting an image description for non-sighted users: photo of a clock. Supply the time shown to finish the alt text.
10:24
